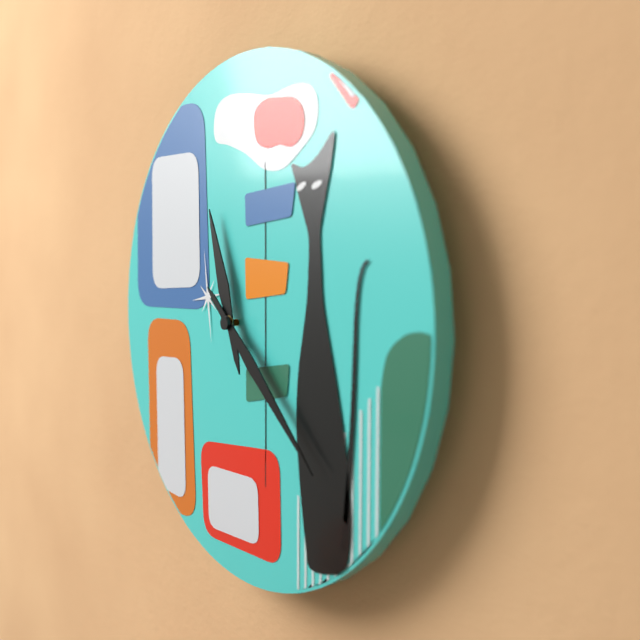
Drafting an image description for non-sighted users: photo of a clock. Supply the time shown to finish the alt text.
11:22
